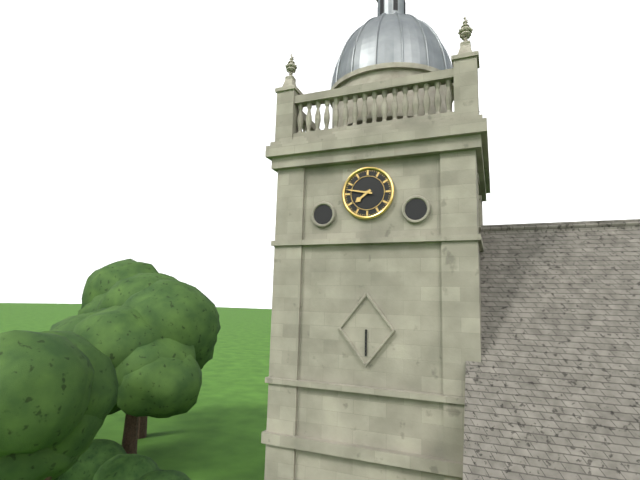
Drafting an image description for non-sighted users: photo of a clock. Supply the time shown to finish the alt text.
7:47
